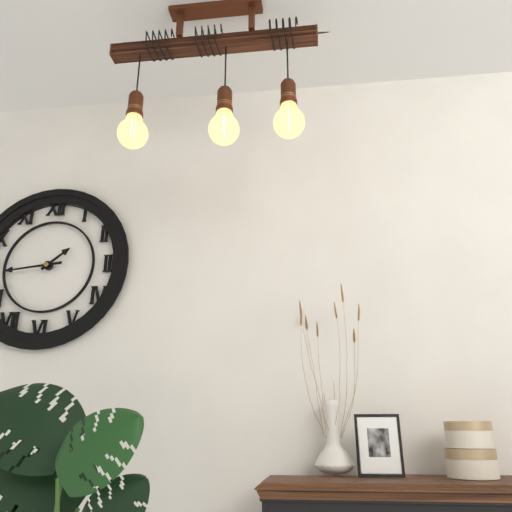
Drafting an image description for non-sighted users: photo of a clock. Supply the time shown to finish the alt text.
1:44
